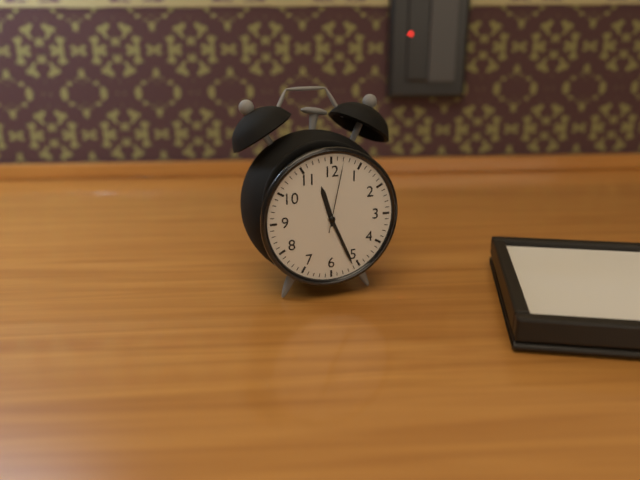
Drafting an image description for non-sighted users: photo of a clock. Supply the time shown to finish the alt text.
11:26:02
